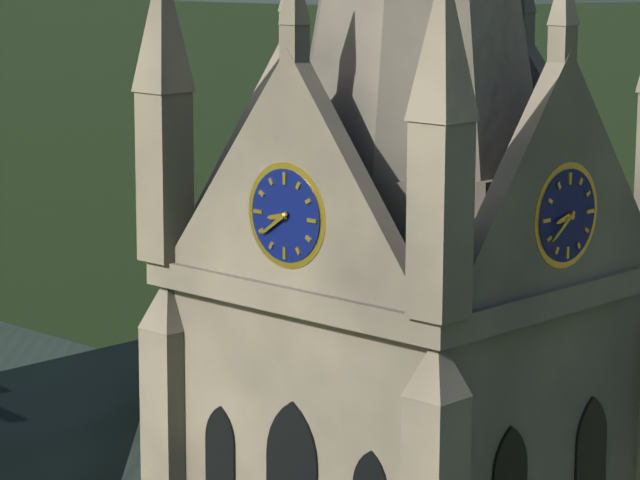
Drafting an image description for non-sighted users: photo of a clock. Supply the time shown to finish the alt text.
8:39
